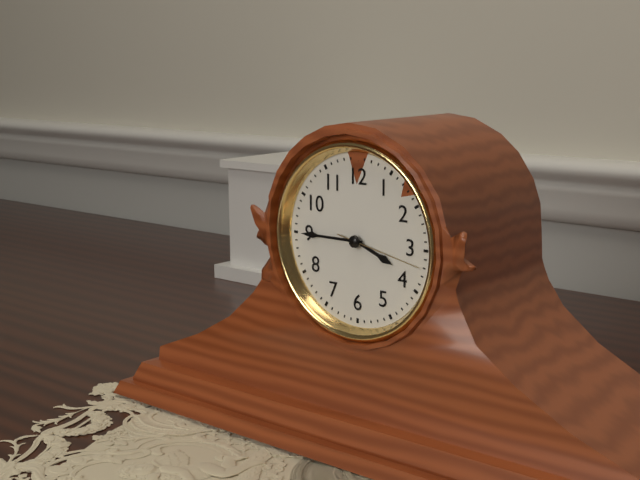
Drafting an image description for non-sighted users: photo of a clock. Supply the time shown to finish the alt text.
3:45:17
